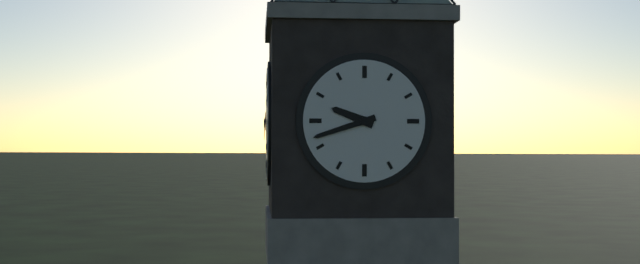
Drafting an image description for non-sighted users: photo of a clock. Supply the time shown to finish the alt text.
9:42
